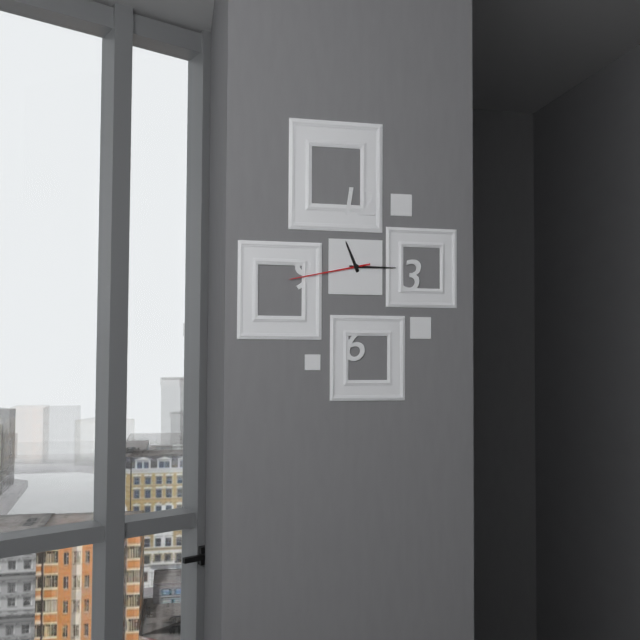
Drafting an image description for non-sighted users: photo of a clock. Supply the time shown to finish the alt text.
11:15:43
